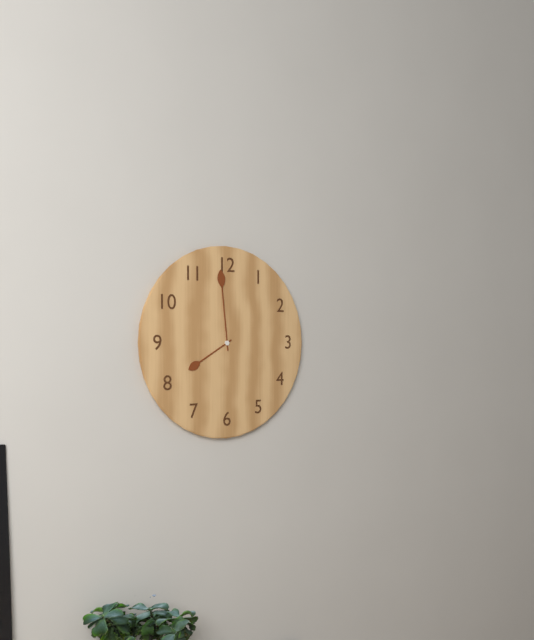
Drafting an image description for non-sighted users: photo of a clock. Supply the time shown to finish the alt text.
7:59
